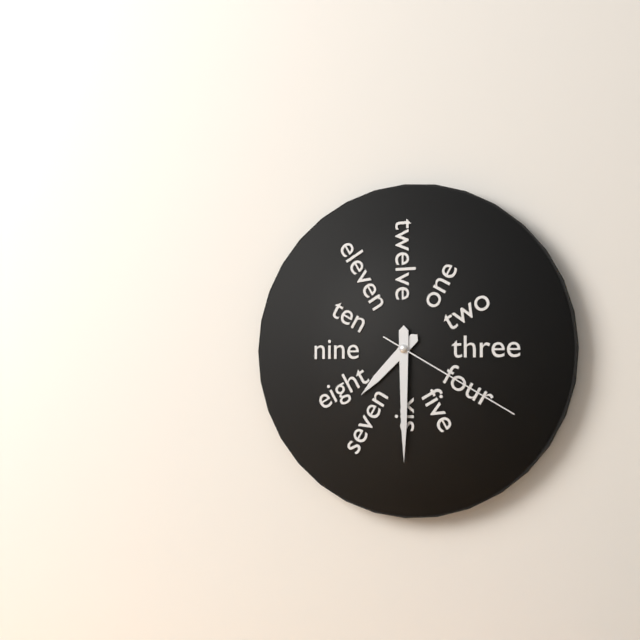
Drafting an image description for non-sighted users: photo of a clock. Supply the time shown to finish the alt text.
7:30:20
